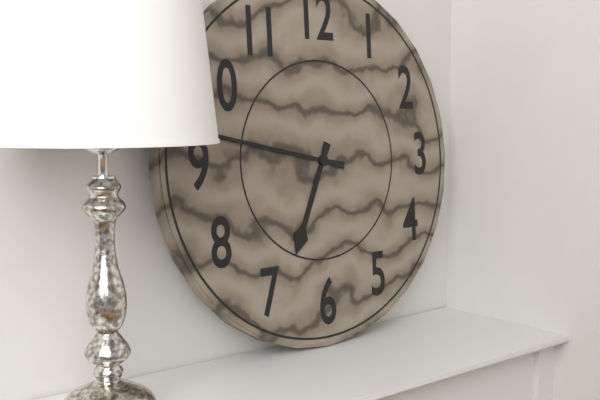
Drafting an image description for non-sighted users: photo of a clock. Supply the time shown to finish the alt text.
6:47
